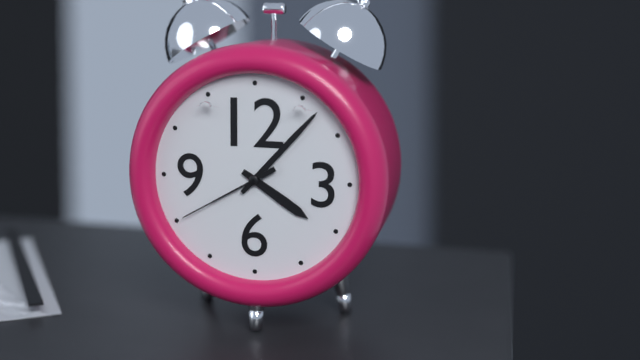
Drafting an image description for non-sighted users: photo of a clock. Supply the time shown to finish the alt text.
4:07:40
